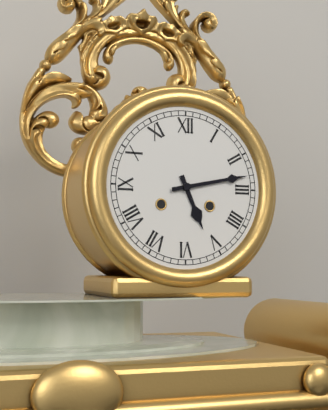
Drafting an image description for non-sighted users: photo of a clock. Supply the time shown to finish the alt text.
5:13
